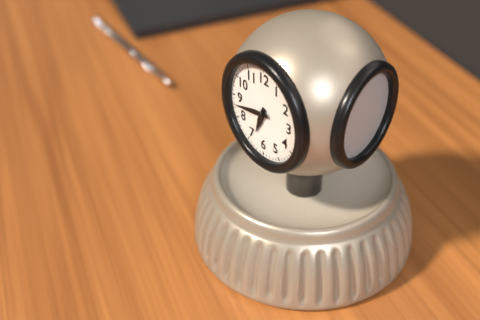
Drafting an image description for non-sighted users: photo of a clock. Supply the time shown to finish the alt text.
6:43
